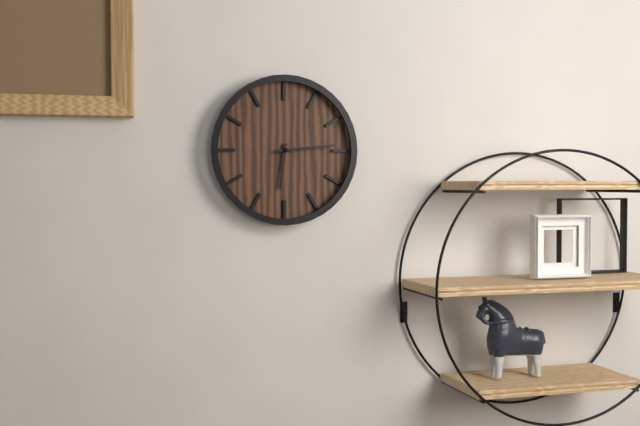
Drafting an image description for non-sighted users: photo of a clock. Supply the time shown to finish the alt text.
6:14
